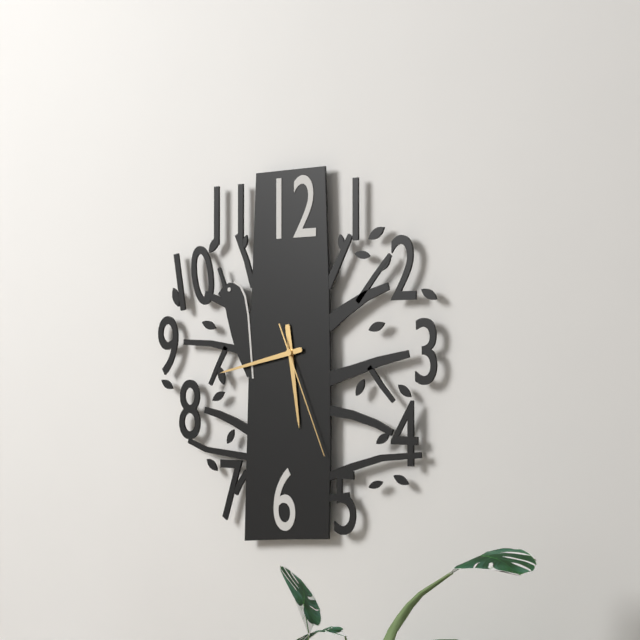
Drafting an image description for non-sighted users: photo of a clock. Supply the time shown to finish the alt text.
5:43:26
